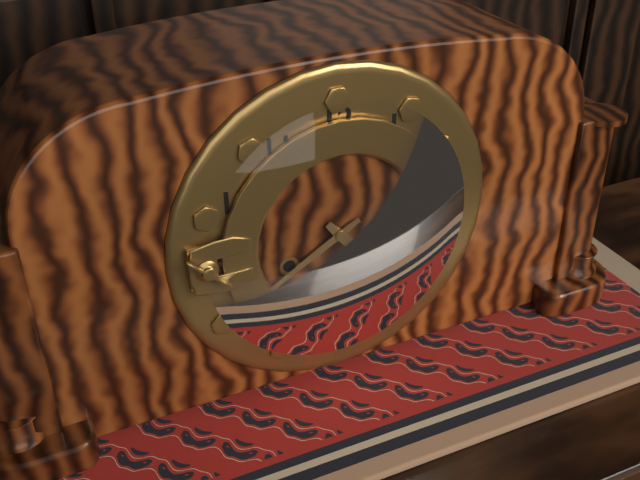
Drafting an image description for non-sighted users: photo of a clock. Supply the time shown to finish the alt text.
4:40
